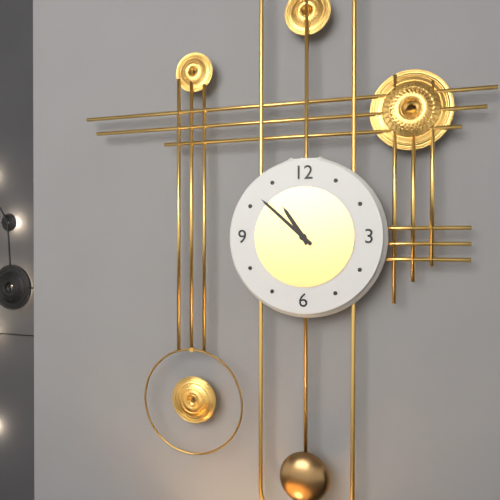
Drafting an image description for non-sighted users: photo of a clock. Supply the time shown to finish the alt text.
10:52
